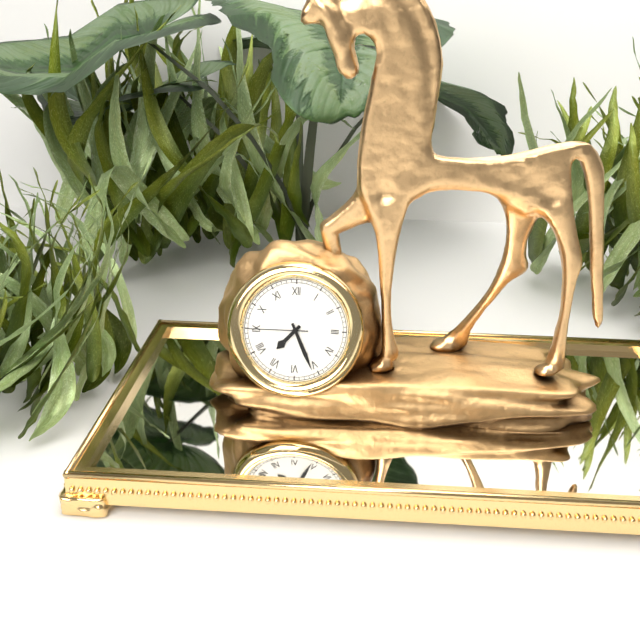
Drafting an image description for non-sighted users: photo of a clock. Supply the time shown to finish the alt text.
7:26:45
